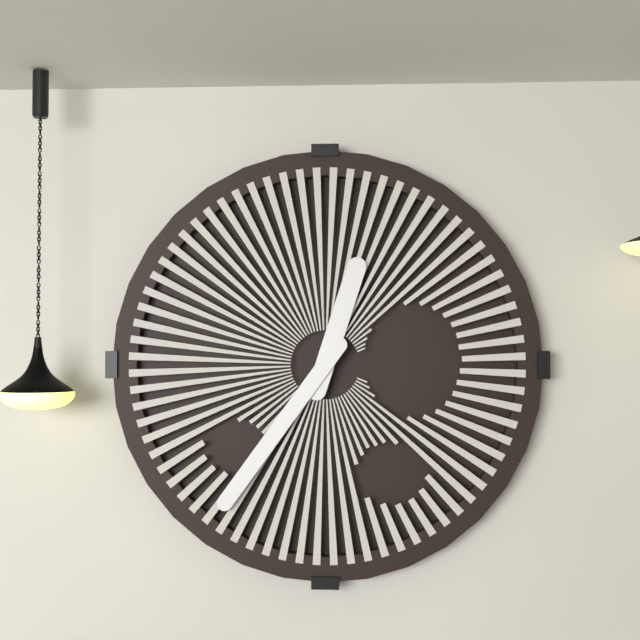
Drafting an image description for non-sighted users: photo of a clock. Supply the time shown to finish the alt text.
12:36
